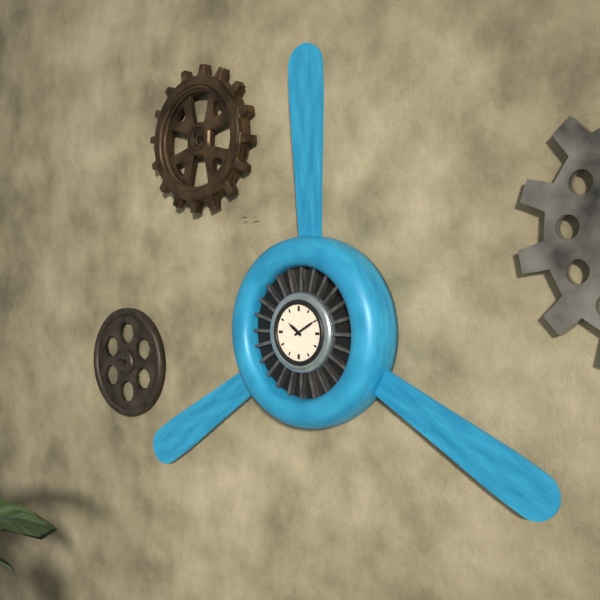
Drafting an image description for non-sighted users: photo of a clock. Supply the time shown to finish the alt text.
10:10
